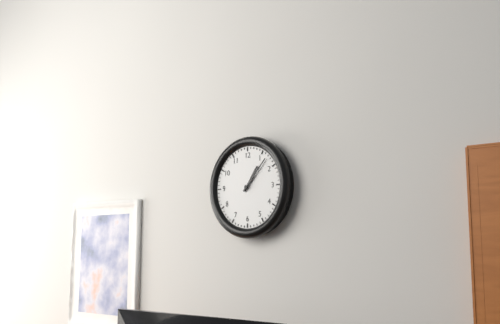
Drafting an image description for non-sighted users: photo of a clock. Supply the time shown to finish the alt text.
1:07
